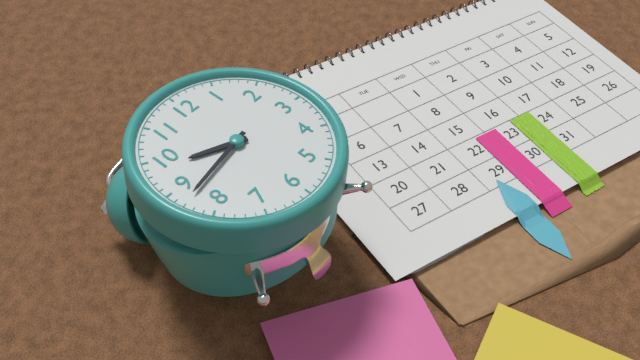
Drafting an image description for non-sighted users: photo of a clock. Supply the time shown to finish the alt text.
9:43
